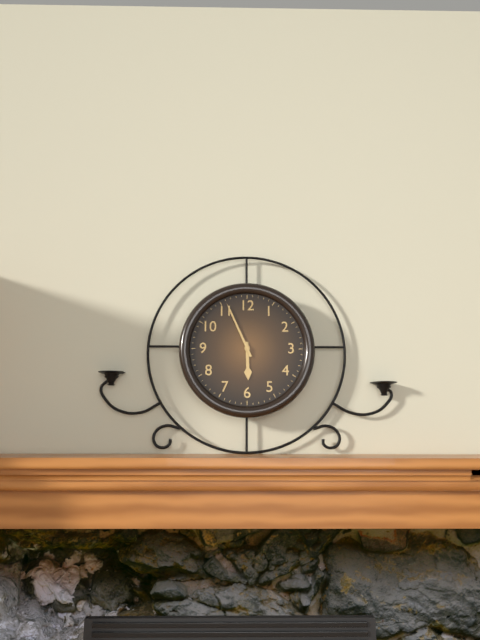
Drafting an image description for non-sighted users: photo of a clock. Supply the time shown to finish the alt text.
5:56
